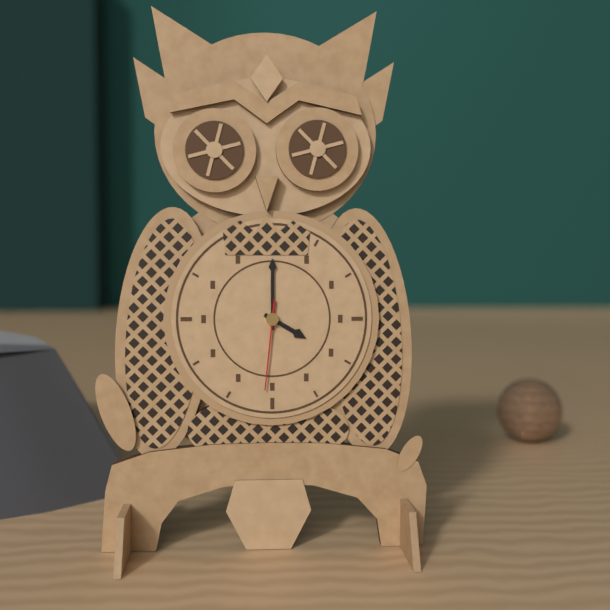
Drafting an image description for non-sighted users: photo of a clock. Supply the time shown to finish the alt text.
4:00:31
